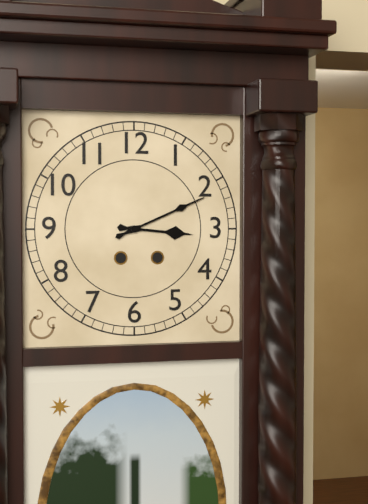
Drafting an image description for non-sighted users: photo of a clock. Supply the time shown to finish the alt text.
3:11
